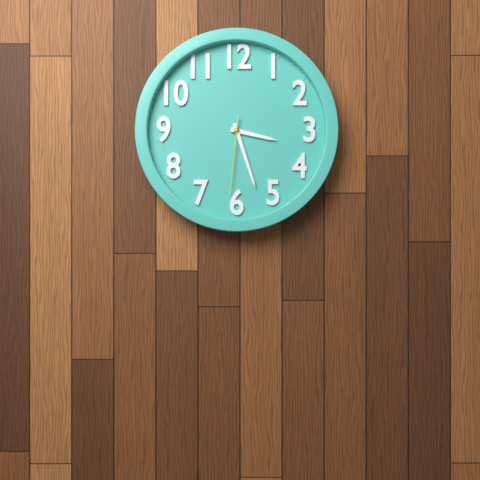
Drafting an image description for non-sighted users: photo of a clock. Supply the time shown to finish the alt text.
3:27:31
